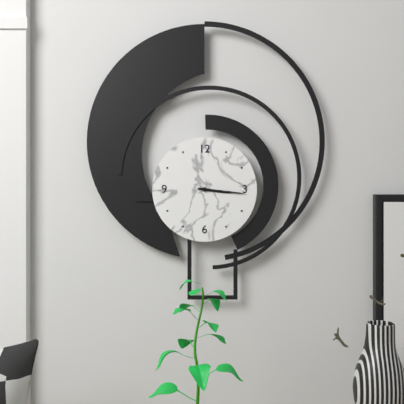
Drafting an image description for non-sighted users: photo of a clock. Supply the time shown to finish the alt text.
3:16
